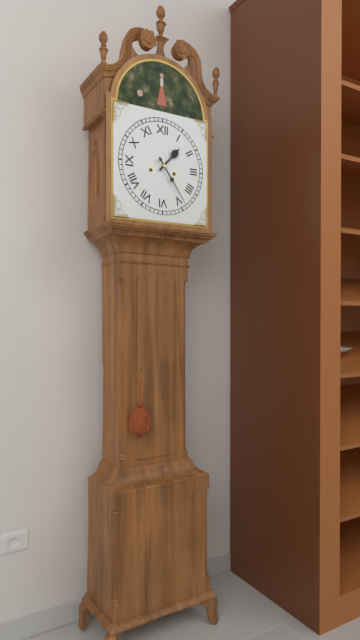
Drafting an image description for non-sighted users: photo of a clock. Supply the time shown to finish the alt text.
1:24
